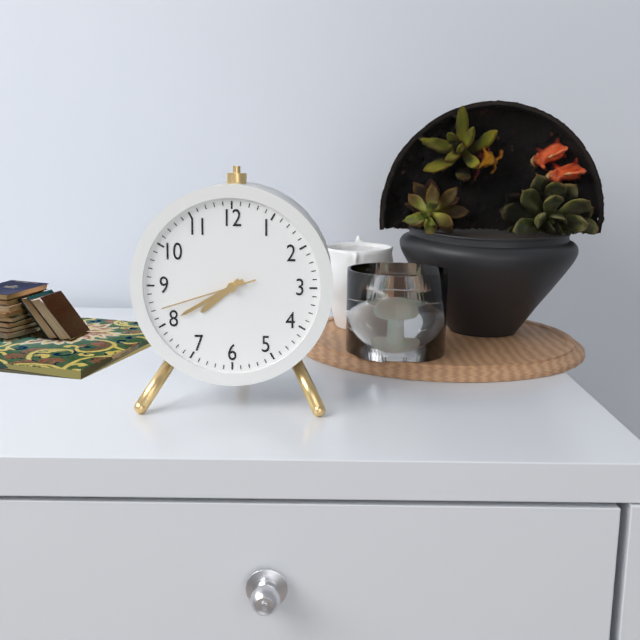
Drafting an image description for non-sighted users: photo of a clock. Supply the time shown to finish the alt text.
7:40:42
